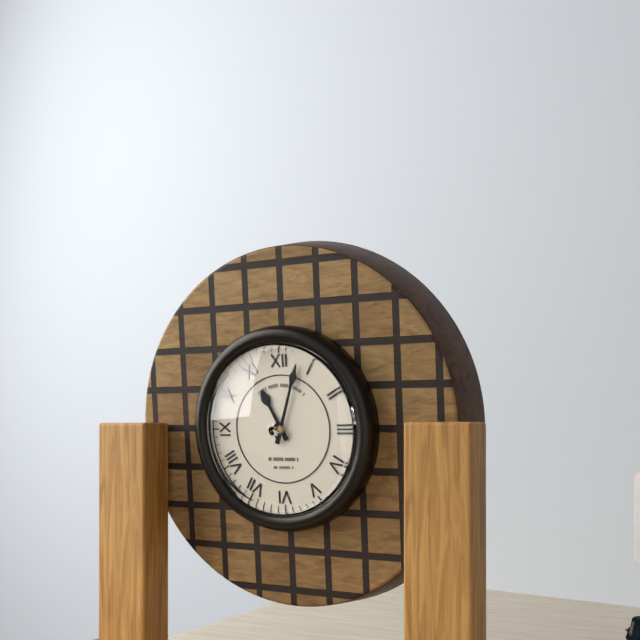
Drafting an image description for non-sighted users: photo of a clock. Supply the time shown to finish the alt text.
11:03
